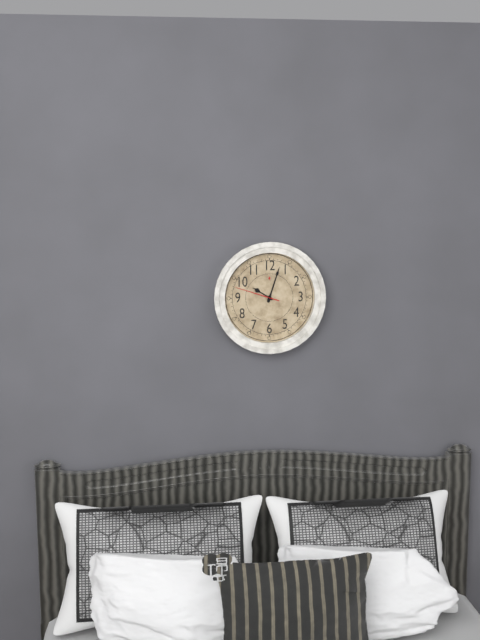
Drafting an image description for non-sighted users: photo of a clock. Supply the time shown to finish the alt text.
10:03
